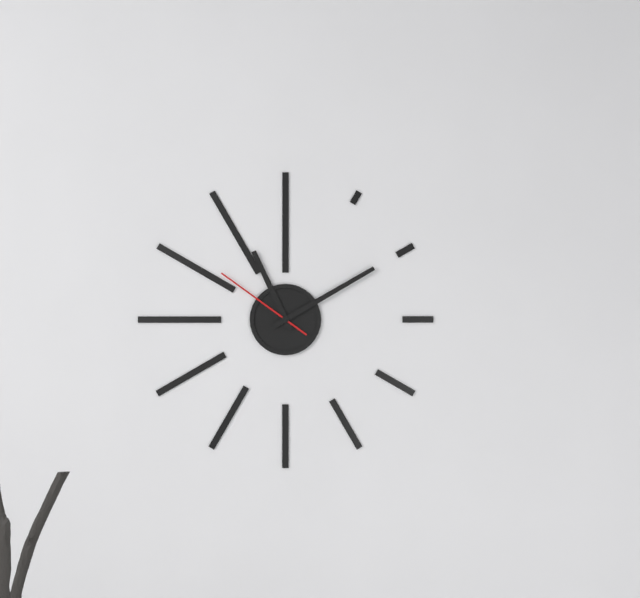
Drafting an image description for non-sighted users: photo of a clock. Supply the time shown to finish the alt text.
11:10:51
